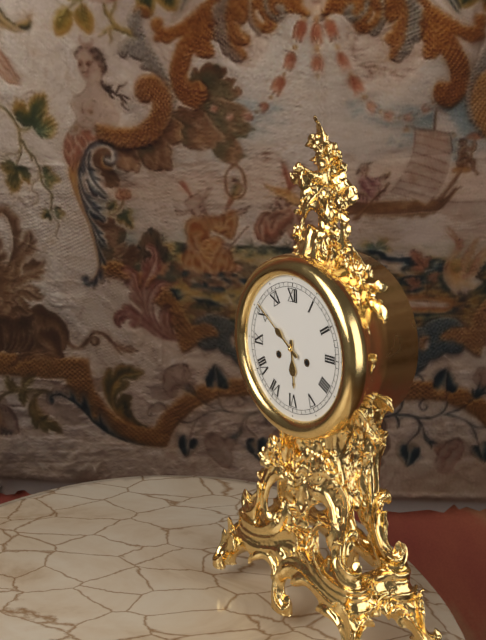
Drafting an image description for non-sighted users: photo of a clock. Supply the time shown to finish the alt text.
5:51
